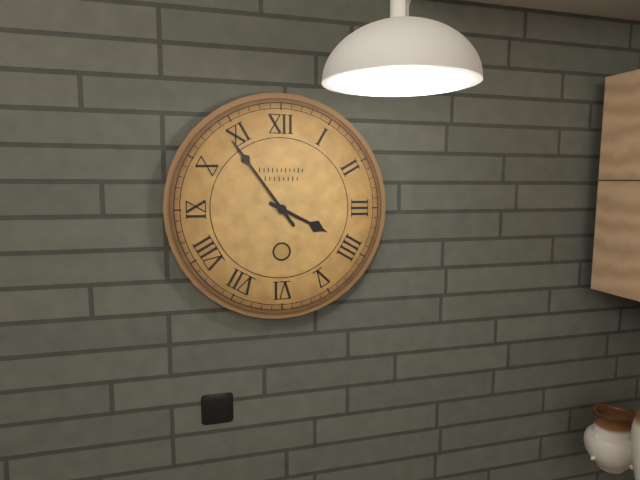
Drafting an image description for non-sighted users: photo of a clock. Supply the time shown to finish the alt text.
3:54
